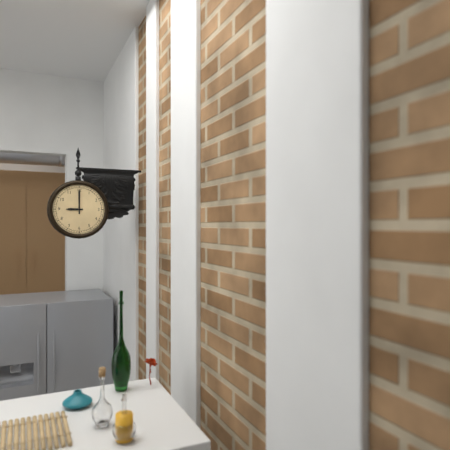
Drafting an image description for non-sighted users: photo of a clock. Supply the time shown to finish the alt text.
9:00
